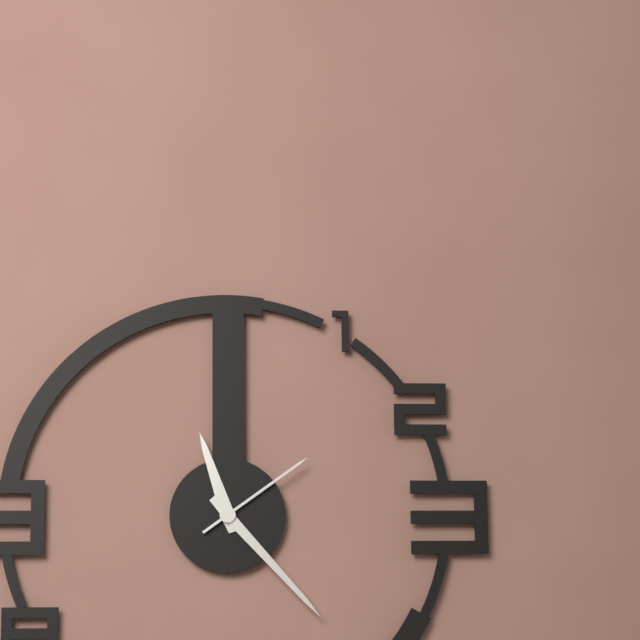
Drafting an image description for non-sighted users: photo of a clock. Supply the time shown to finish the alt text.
11:23:09
